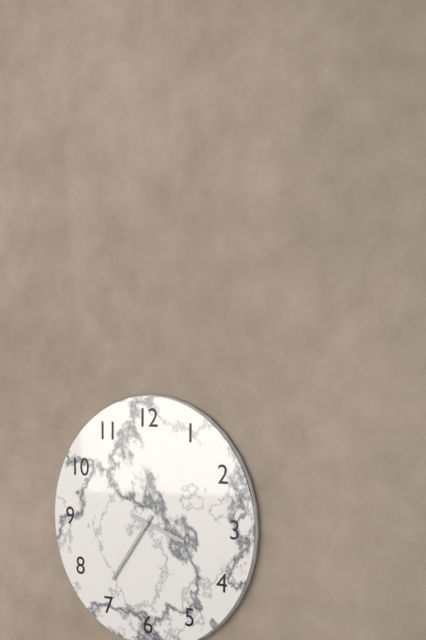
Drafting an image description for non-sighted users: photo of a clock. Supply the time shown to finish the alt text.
3:36
